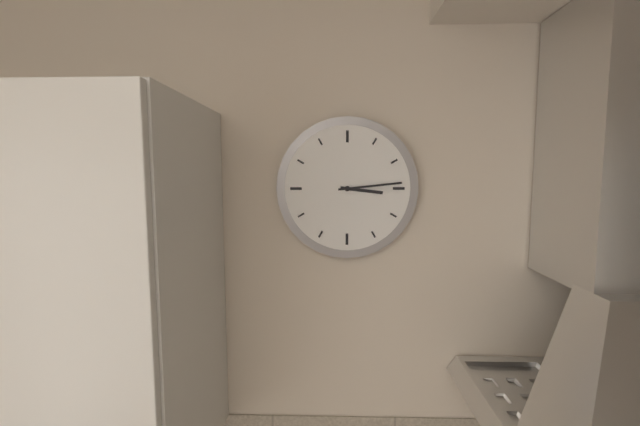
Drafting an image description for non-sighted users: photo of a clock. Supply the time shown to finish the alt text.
3:14
